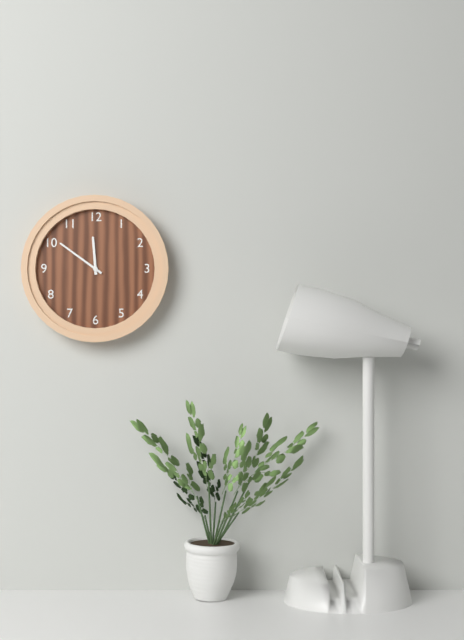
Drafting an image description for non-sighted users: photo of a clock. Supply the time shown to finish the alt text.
11:51
